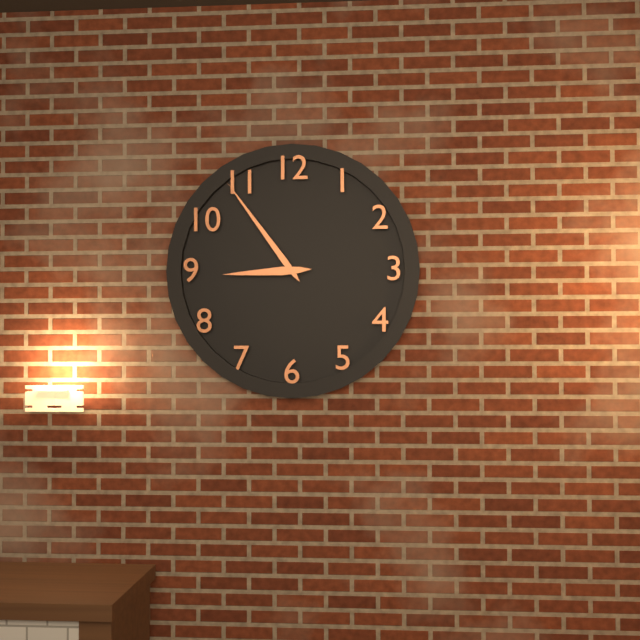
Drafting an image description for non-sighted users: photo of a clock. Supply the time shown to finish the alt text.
8:54
